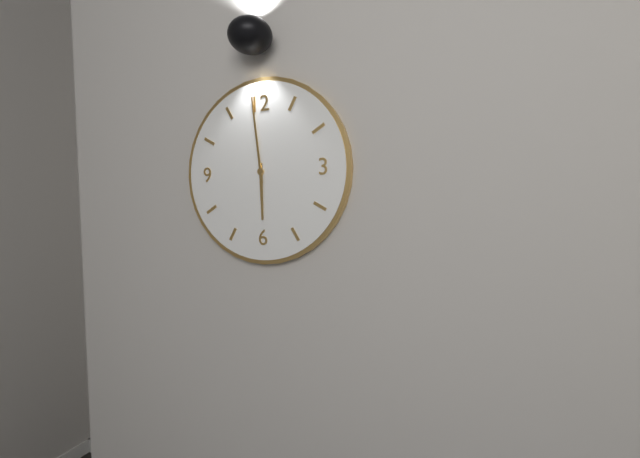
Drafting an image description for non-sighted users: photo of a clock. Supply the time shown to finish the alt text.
5:59
